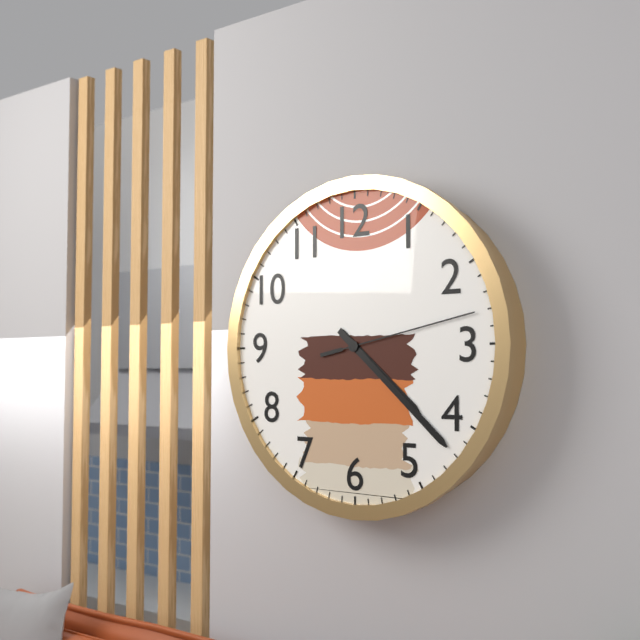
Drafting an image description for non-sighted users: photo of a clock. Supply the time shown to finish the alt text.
4:22:13
